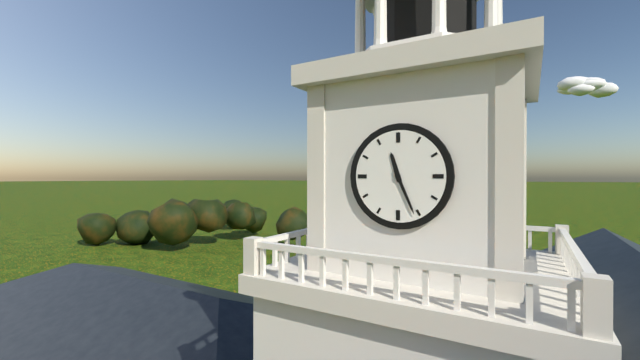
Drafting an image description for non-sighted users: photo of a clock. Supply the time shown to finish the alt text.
11:26
